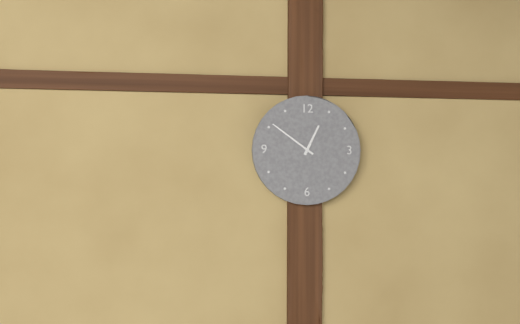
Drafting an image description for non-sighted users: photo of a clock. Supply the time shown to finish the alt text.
12:51
